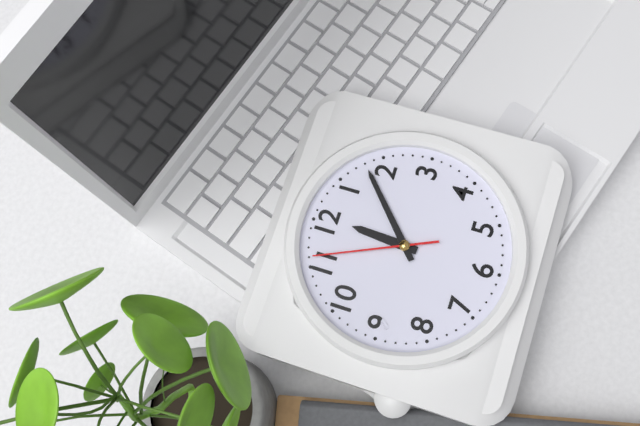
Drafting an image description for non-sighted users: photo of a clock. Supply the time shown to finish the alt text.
12:08:56
